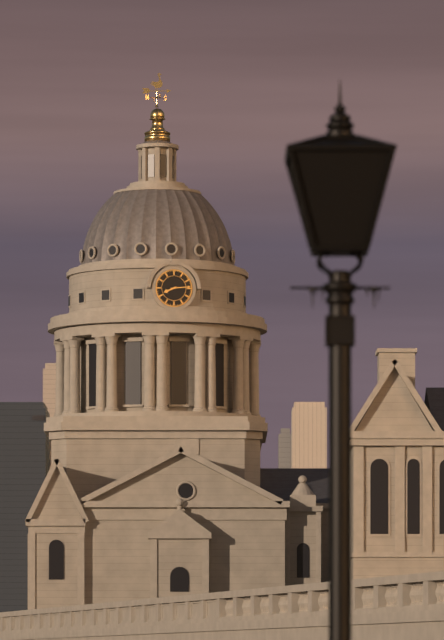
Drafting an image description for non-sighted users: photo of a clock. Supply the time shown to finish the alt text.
8:14
